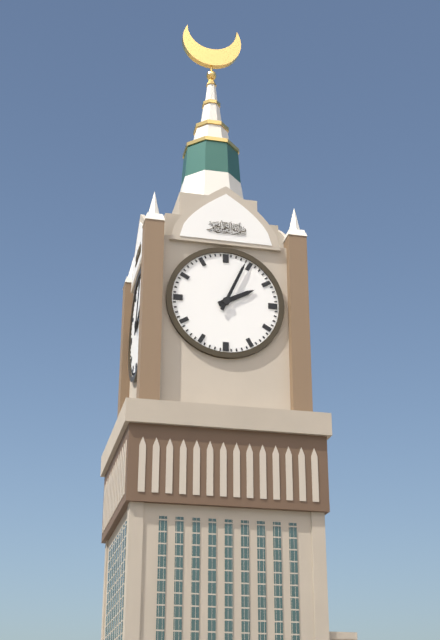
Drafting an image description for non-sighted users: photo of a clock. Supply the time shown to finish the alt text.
2:04
